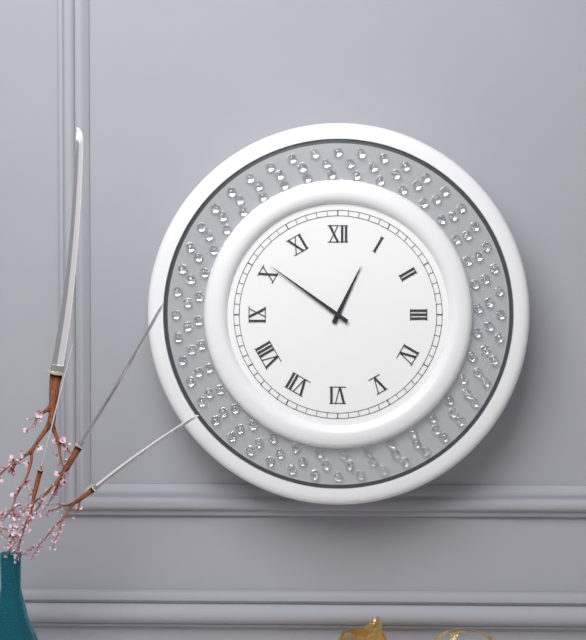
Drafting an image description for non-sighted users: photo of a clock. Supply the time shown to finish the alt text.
12:51
